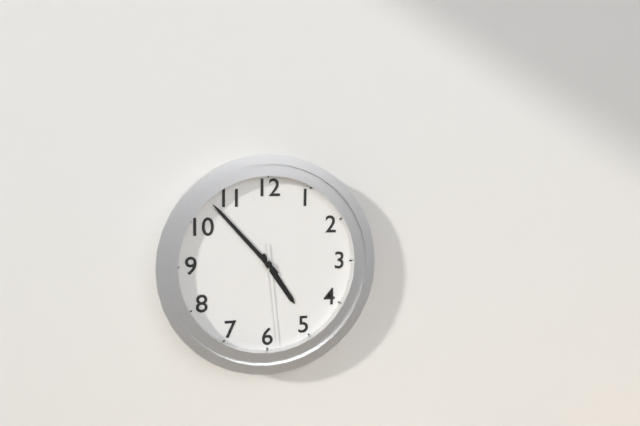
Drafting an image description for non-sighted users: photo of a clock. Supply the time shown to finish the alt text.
4:53:29
